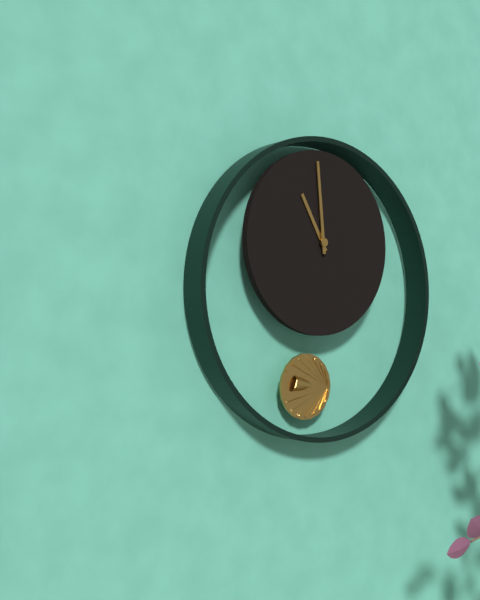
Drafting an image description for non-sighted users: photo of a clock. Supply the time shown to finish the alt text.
10:59
